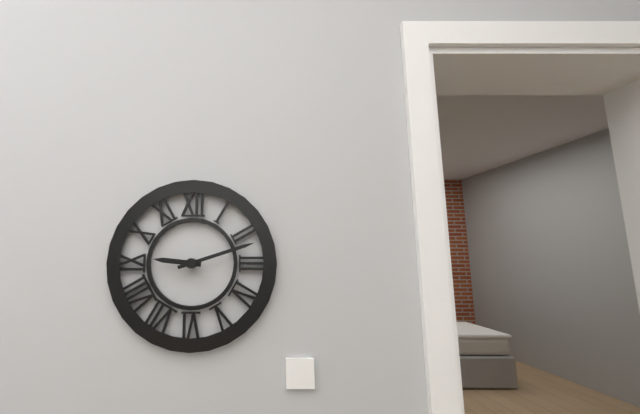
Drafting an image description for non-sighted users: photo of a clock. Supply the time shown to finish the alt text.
9:12
